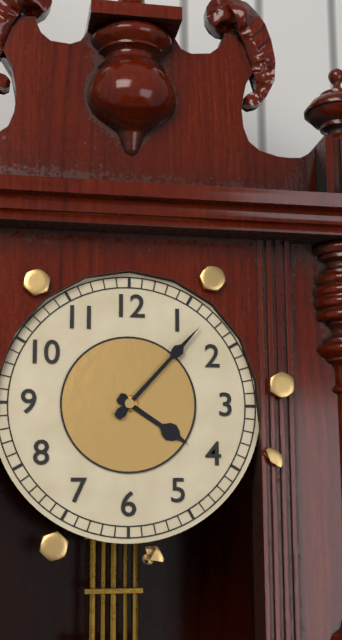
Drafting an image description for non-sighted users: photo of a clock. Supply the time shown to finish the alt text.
4:07
